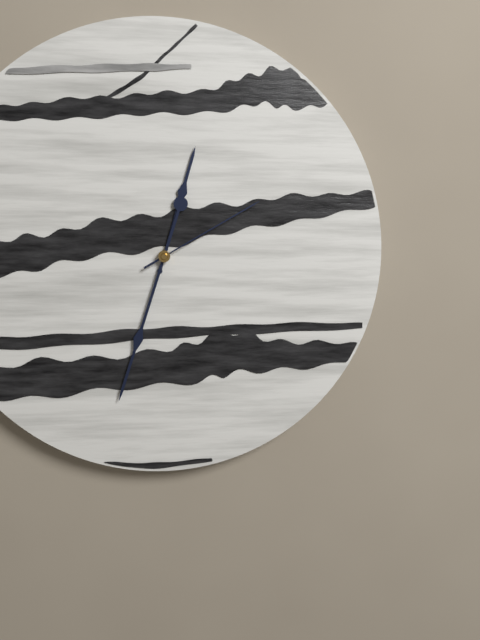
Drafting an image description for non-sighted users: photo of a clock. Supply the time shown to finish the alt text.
12:33:10
